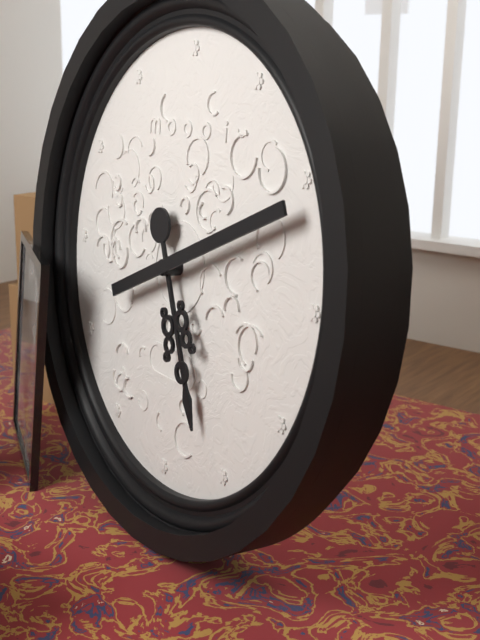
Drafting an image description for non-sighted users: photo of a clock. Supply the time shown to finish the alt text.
5:11
